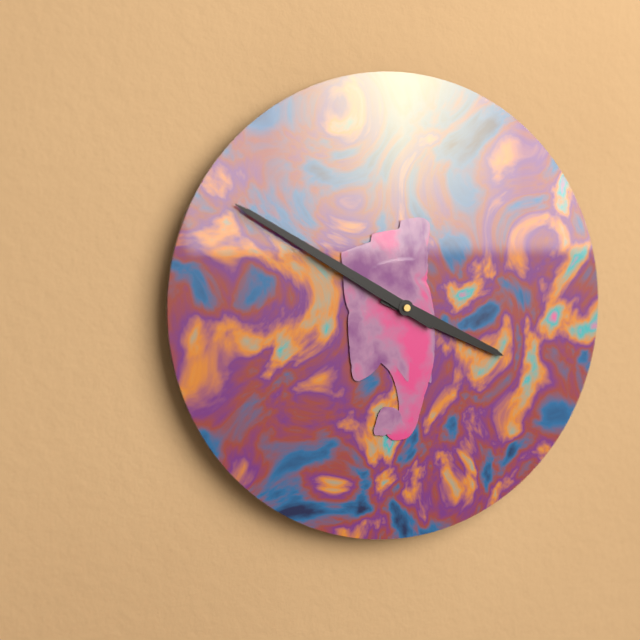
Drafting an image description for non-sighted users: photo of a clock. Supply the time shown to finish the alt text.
3:50
